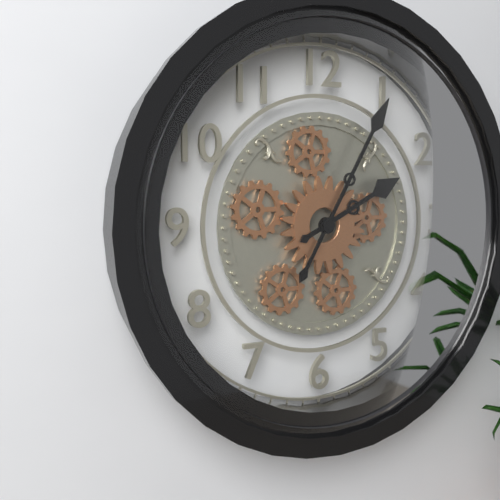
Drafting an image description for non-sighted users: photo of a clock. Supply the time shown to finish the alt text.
2:05
